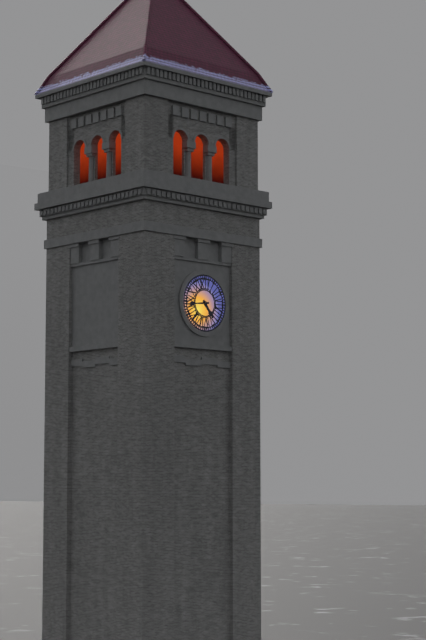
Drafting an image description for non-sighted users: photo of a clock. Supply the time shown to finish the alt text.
4:44
